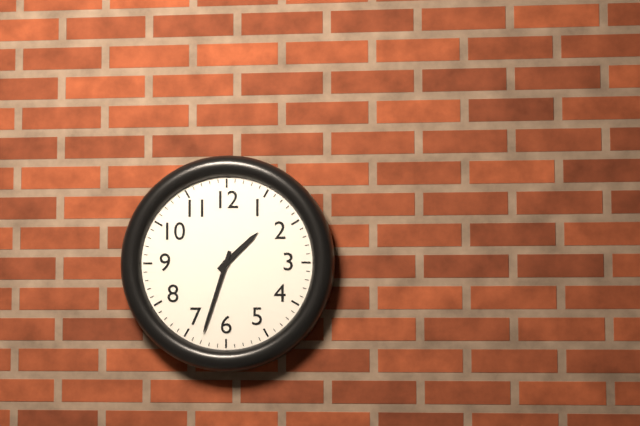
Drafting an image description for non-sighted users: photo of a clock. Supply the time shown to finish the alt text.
1:33
